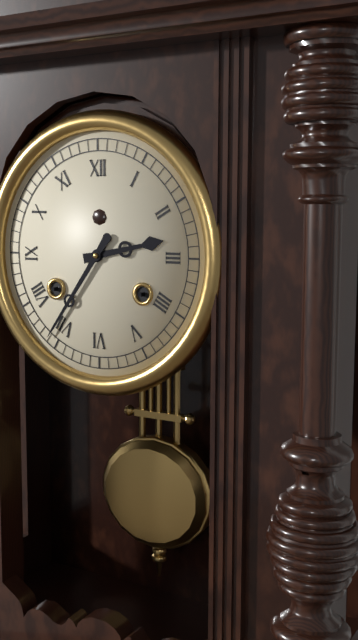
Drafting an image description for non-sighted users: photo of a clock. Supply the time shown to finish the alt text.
2:36
